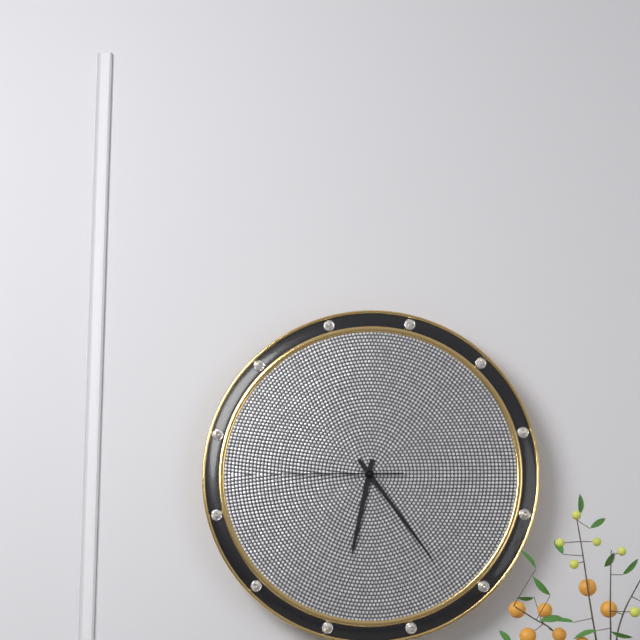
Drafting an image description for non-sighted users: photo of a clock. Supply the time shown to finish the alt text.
6:24:45
